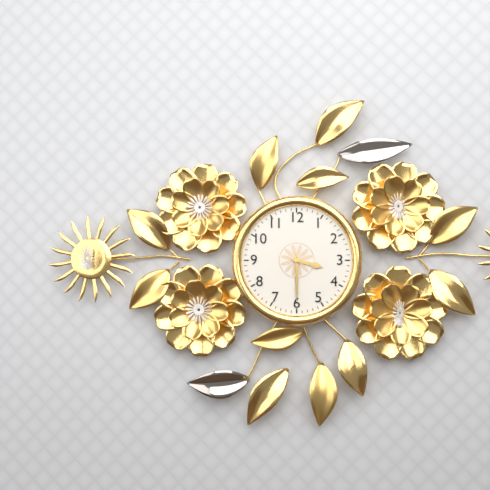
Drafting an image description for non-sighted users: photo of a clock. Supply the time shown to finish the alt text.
3:30
